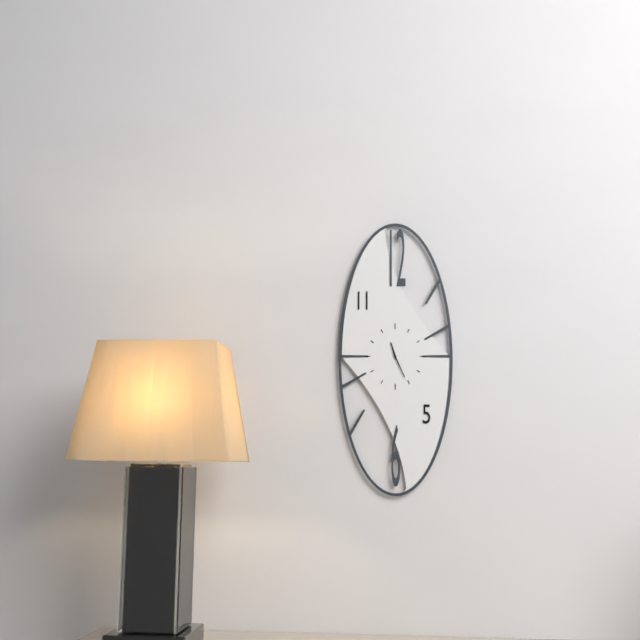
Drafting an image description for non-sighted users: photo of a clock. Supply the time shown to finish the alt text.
11:26
